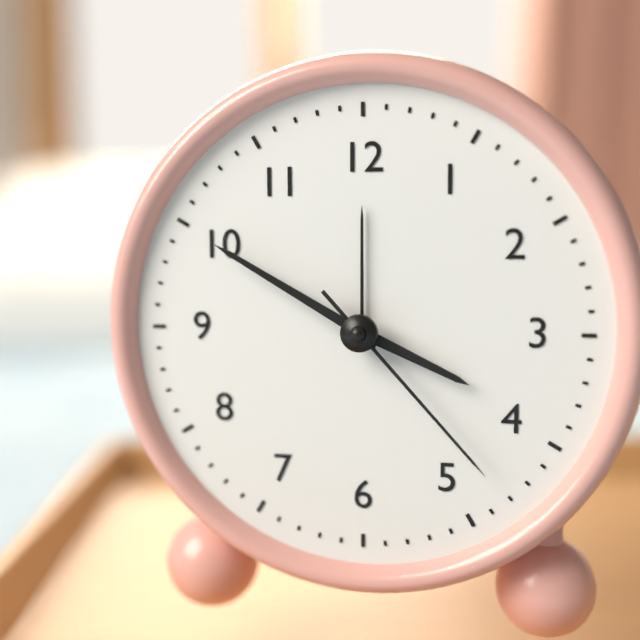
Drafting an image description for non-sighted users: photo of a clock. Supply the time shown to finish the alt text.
3:50:23
